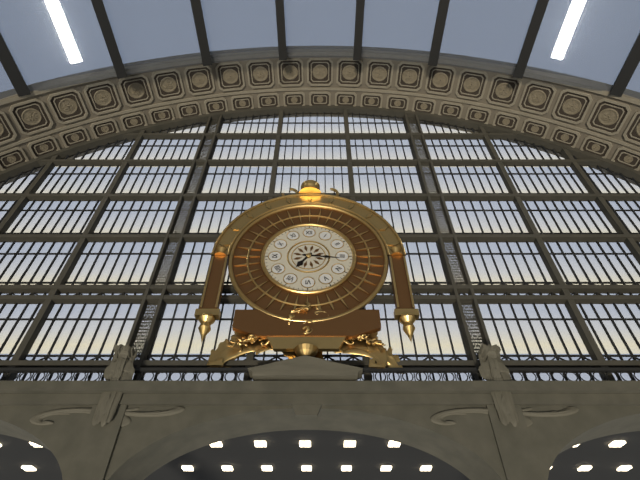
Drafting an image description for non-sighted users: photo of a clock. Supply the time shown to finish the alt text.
7:16
